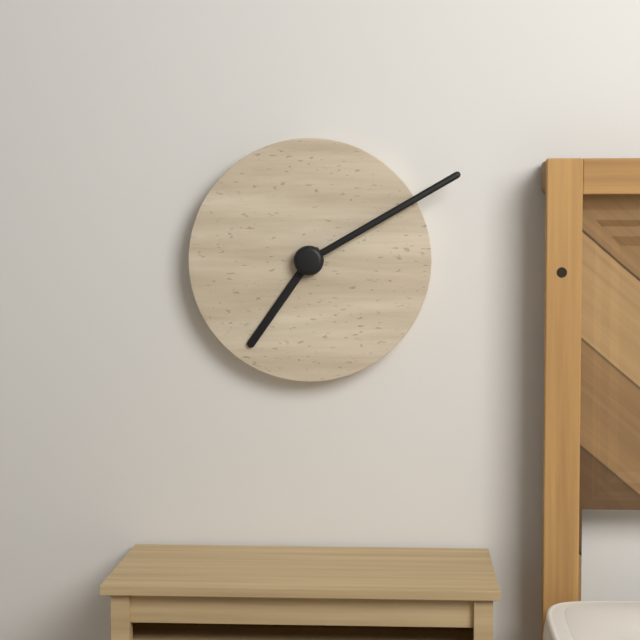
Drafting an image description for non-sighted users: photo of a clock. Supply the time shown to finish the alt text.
7:10
